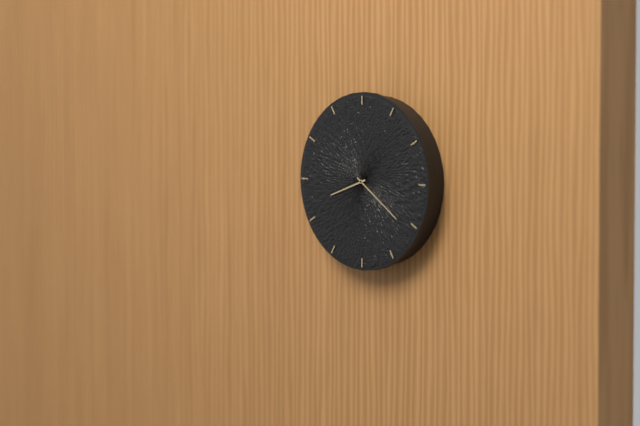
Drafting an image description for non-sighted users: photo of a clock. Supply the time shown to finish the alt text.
8:21
